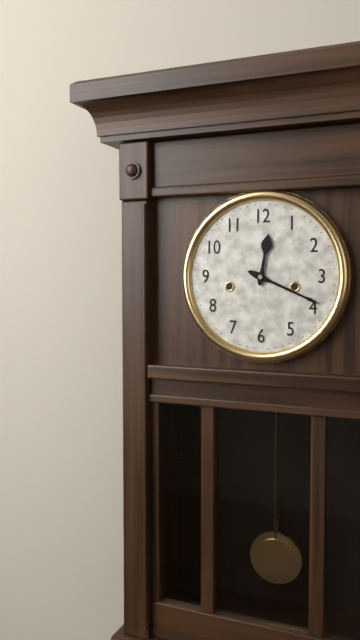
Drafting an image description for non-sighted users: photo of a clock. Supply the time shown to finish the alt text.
12:19
